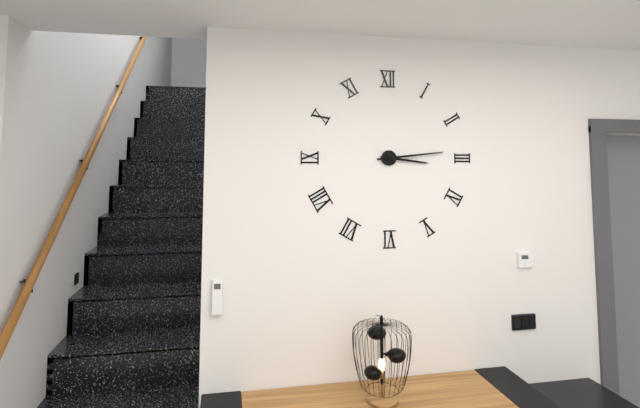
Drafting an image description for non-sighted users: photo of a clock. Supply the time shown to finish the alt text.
3:14
